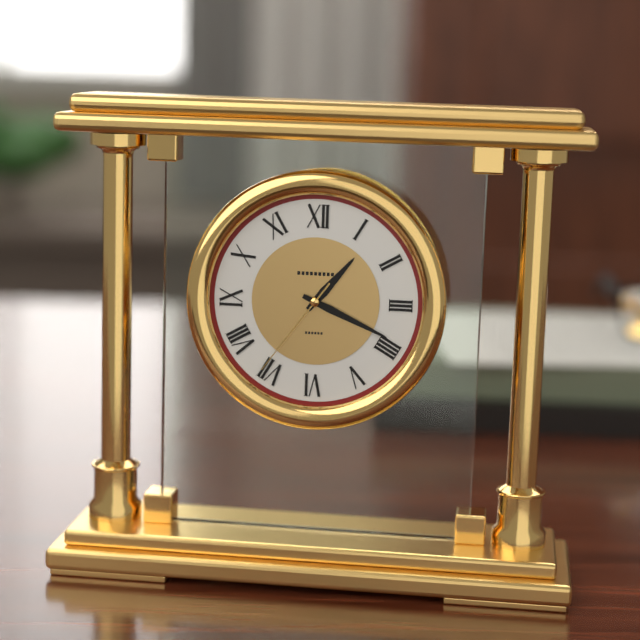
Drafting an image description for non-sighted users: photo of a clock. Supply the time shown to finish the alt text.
1:19:36
